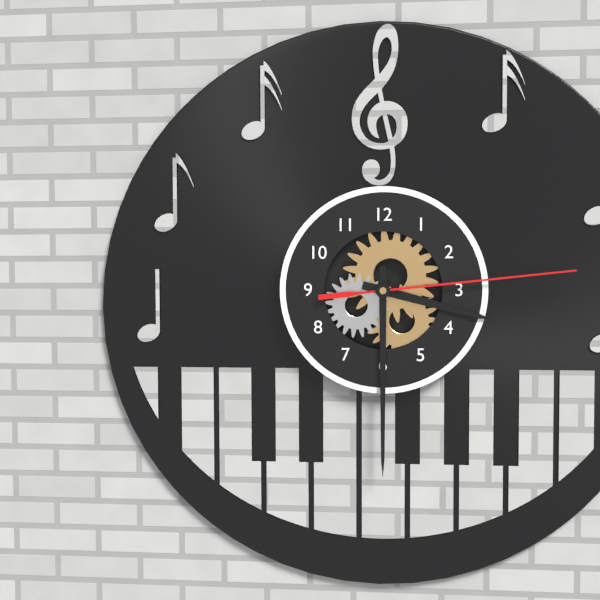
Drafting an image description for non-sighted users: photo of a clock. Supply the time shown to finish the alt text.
3:30:14
